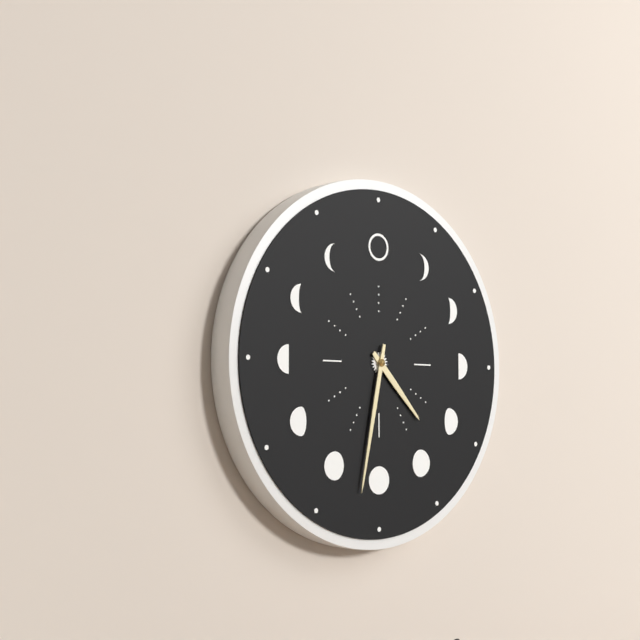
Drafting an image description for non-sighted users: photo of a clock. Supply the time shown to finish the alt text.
4:32
